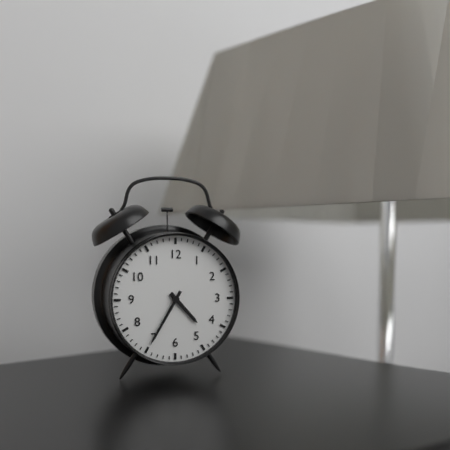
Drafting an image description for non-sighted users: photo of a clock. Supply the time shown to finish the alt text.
4:35
